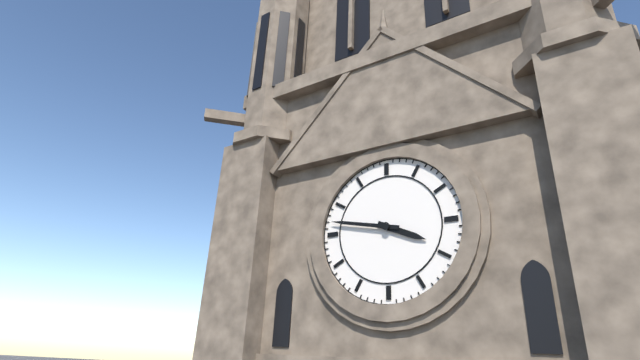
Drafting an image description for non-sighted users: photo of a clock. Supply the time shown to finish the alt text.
3:47
